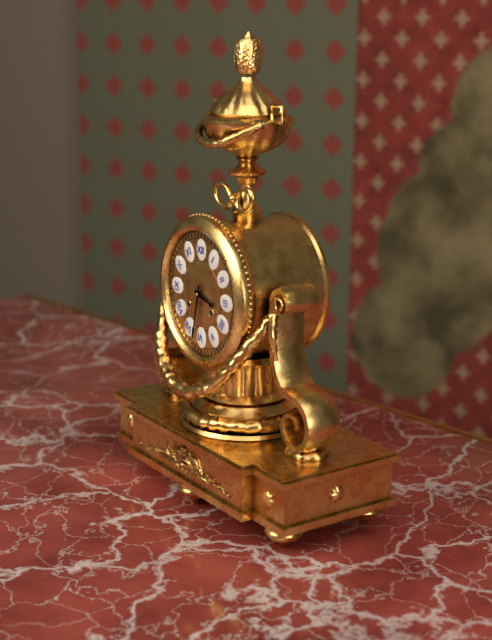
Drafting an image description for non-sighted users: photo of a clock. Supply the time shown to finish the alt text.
3:32
